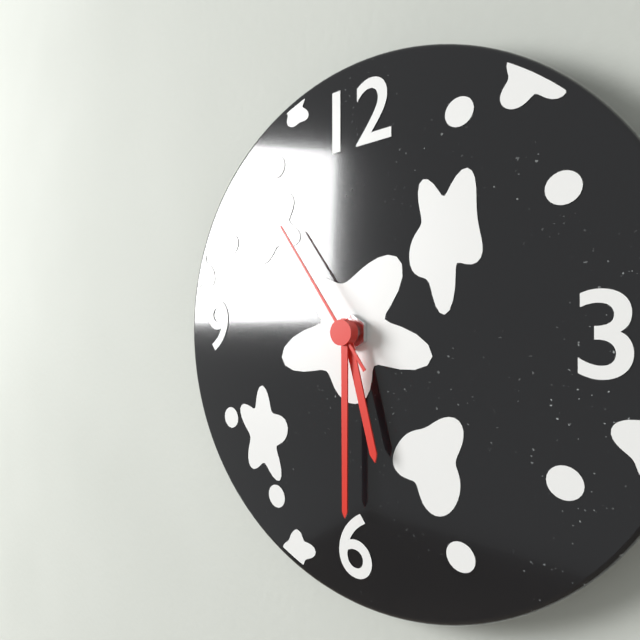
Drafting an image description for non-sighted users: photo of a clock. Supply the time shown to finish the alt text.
5:30:54
